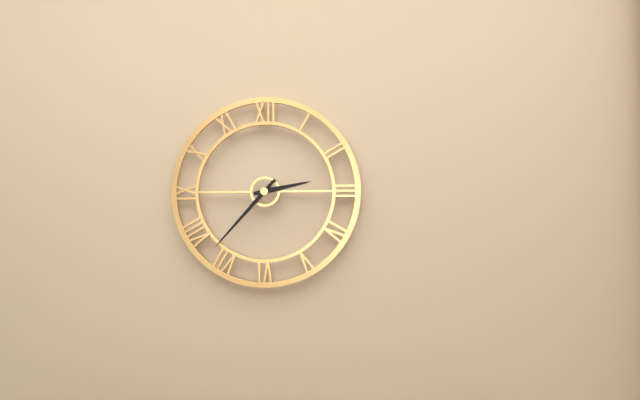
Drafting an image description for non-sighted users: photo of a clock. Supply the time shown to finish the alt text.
2:37
